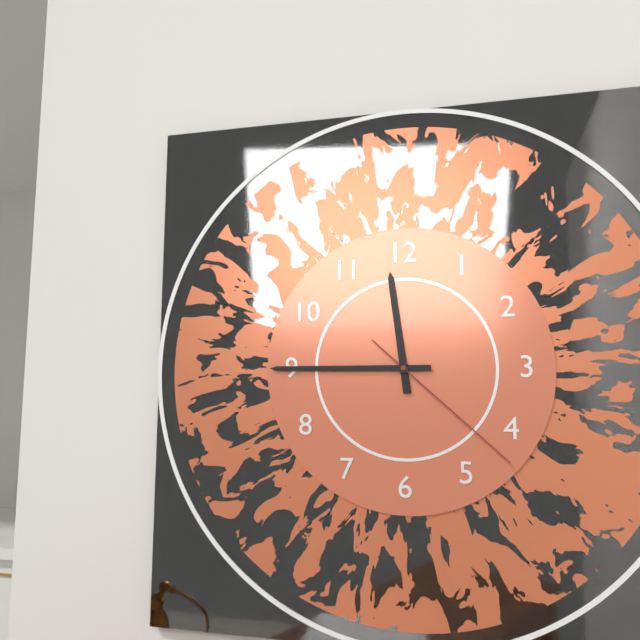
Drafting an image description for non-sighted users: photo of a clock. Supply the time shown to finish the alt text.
11:45:22
